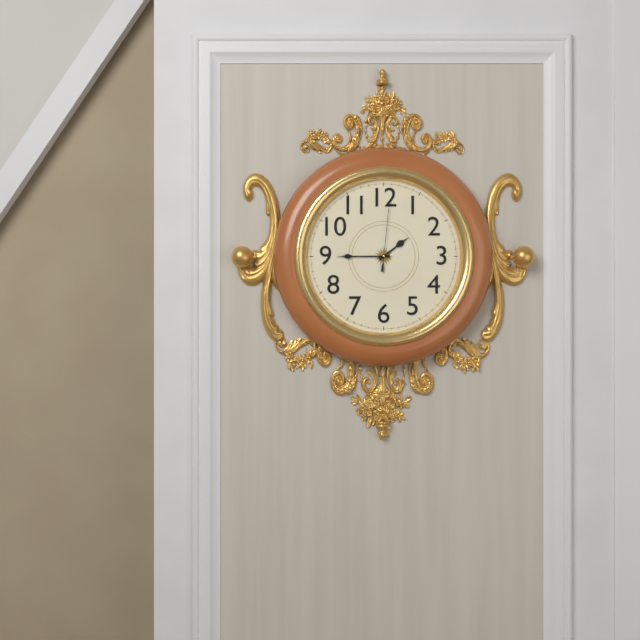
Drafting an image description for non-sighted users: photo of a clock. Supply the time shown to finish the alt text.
1:45:01
